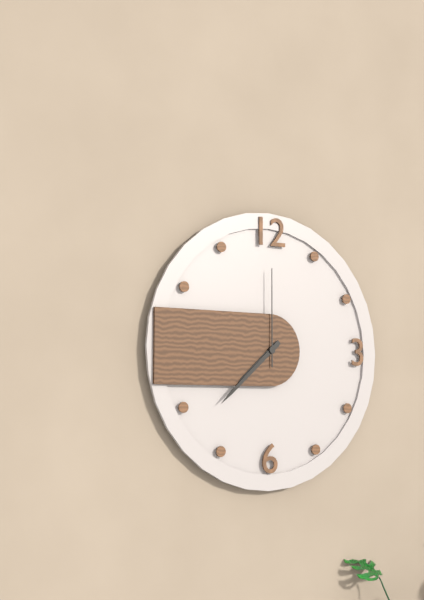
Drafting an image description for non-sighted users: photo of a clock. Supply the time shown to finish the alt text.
7:38:00
